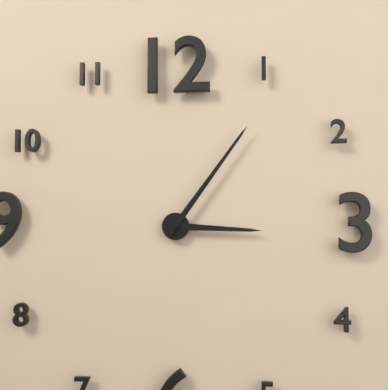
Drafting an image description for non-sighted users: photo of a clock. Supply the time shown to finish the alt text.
3:06
